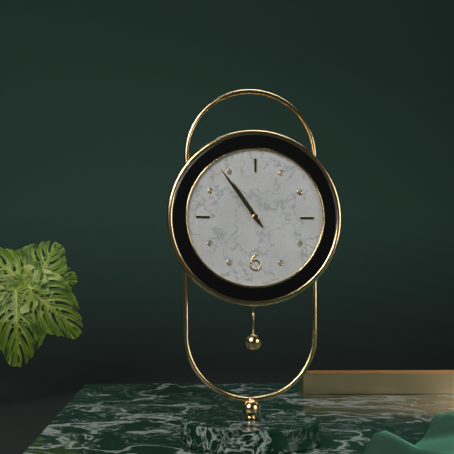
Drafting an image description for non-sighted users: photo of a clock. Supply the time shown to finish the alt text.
10:54
